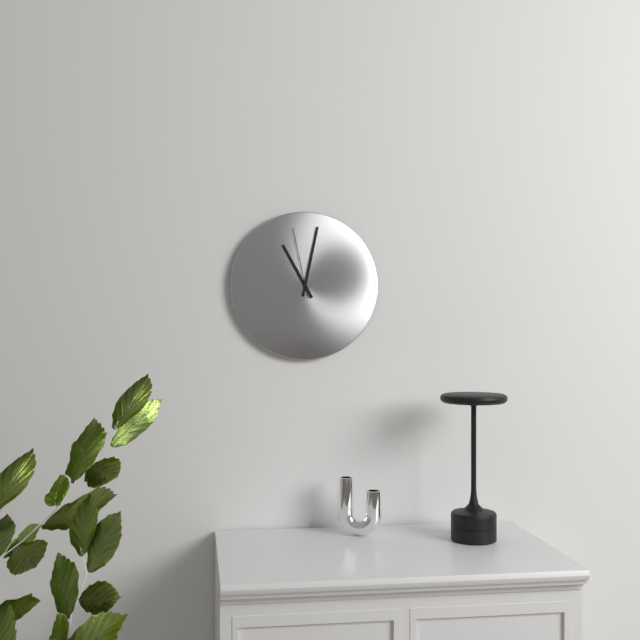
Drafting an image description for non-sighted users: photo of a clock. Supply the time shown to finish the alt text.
11:02:58
